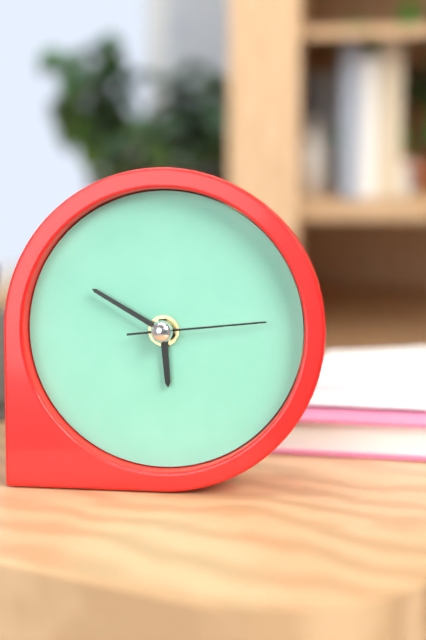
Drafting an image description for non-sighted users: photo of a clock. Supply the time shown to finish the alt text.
5:50:14
